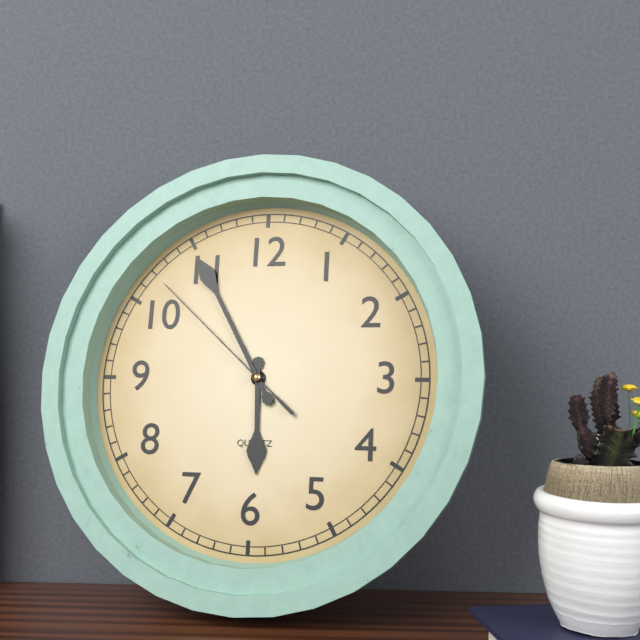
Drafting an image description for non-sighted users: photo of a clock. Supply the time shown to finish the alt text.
5:55:52
